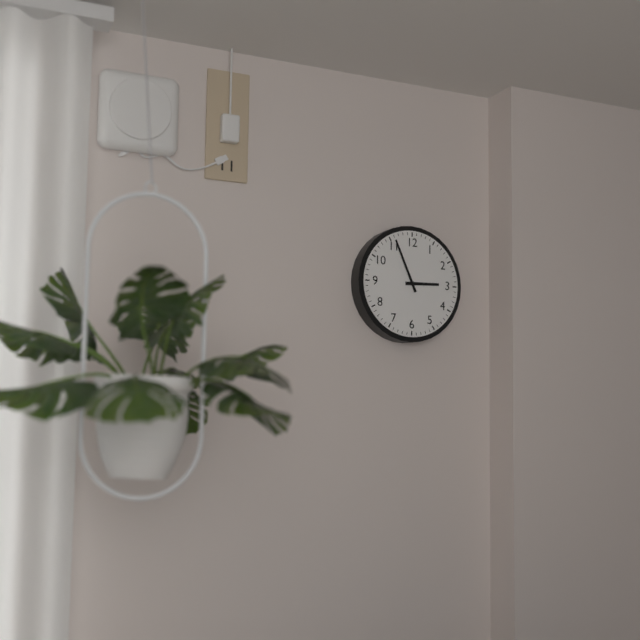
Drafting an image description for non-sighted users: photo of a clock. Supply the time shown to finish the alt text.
2:56
